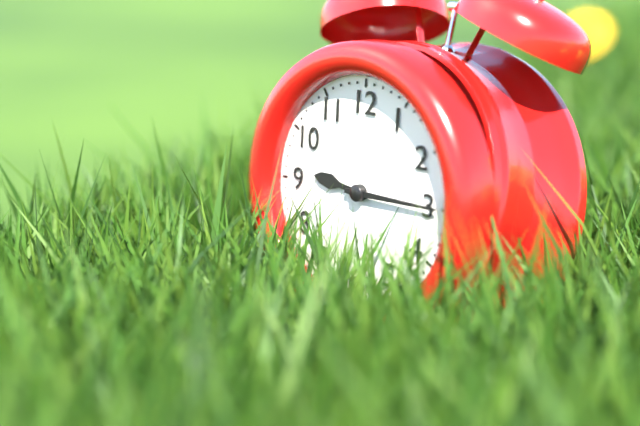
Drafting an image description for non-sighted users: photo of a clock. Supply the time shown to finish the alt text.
9:15
